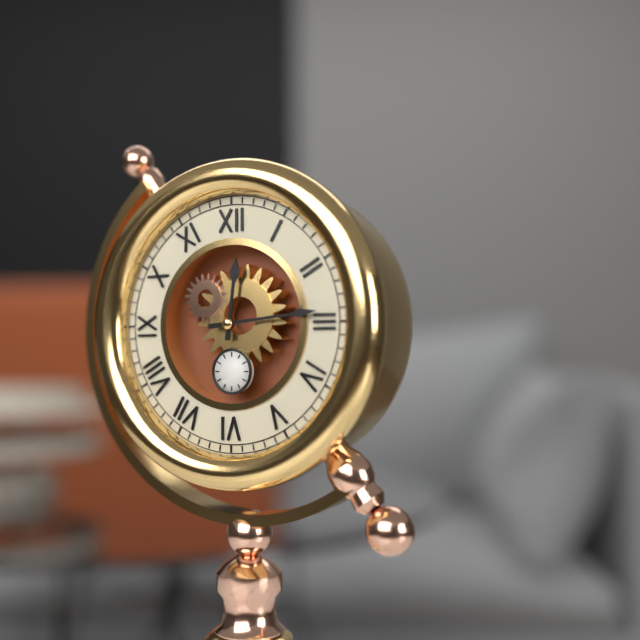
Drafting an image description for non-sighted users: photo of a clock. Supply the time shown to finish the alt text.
12:14
